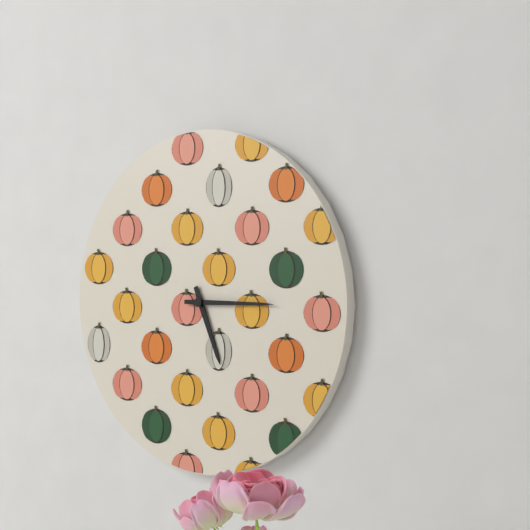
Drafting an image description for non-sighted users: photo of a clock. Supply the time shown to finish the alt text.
5:15
